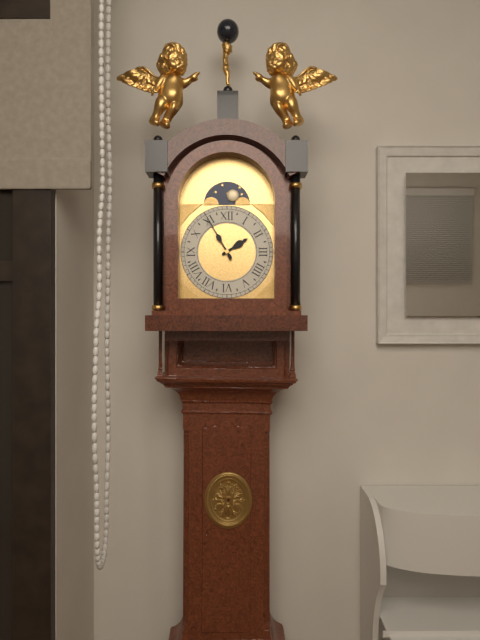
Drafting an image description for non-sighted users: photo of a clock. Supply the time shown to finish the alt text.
1:55
